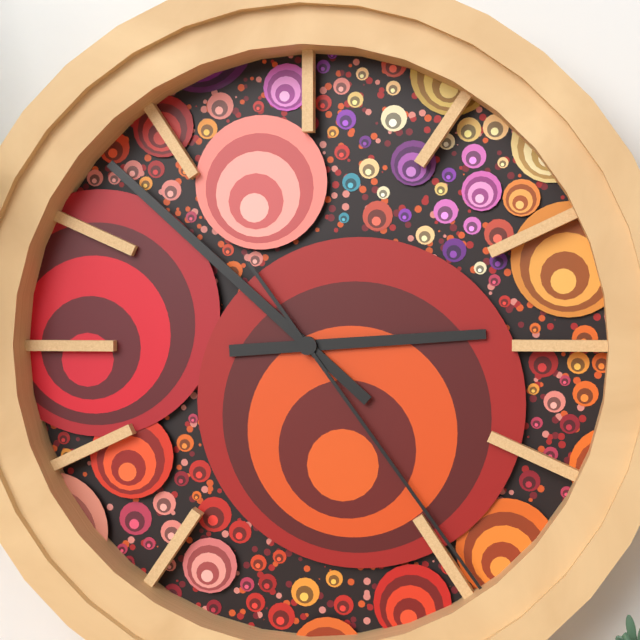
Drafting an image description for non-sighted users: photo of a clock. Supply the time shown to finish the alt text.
2:52:24
